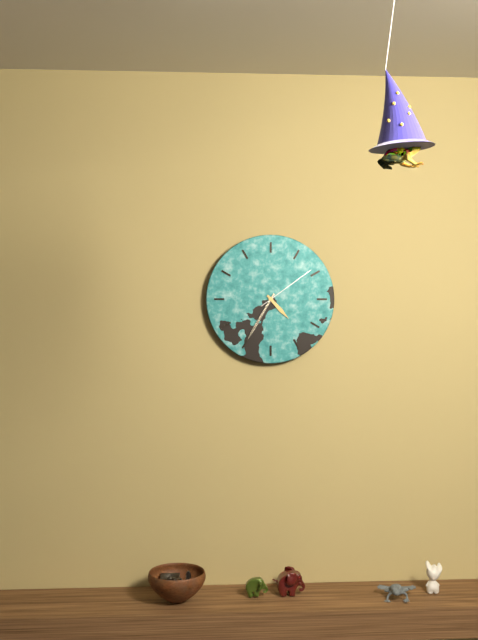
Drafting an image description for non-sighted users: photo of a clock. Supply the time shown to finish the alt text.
4:35:09
